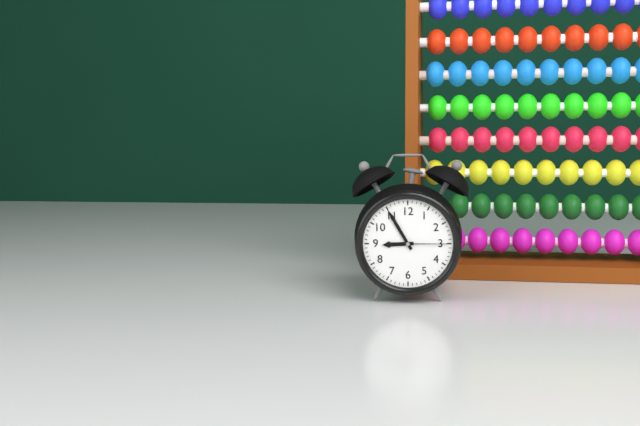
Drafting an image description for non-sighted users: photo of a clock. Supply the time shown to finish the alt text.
8:55:15
